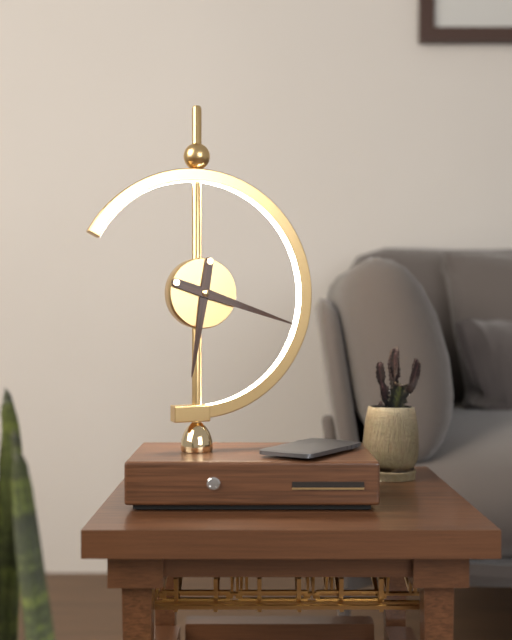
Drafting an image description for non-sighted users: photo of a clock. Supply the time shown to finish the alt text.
6:18
